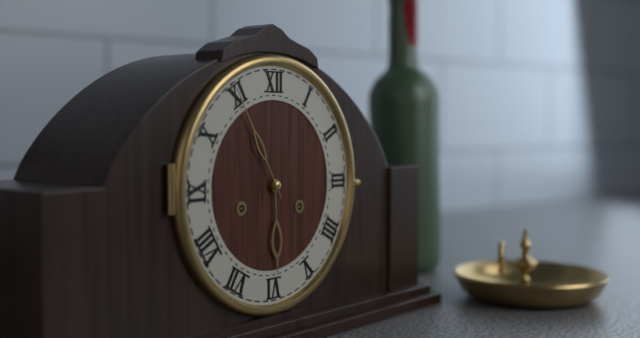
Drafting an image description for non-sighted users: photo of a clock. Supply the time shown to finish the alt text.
5:55
